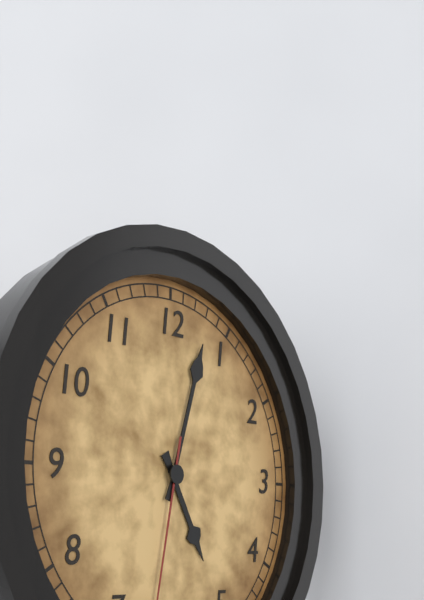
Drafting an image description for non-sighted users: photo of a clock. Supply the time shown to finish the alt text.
5:03
